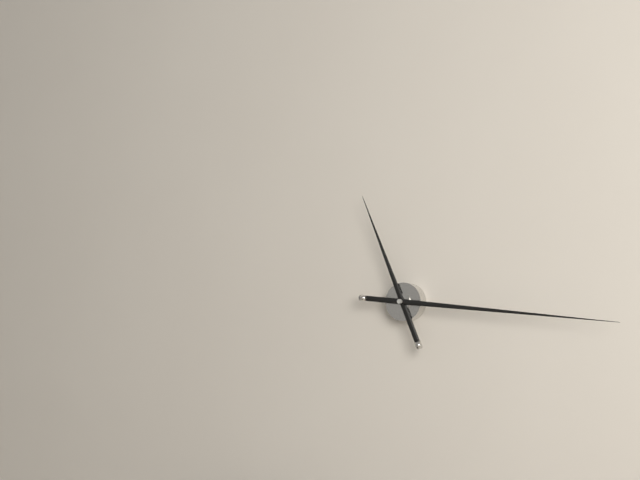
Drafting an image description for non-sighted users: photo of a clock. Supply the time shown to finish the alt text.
11:16
